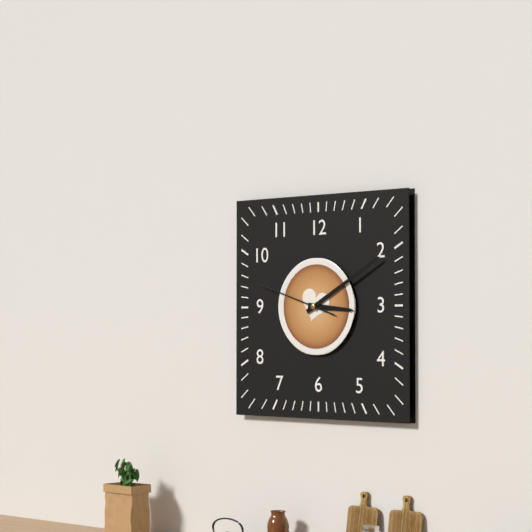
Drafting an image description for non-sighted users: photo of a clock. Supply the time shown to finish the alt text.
3:10:48
